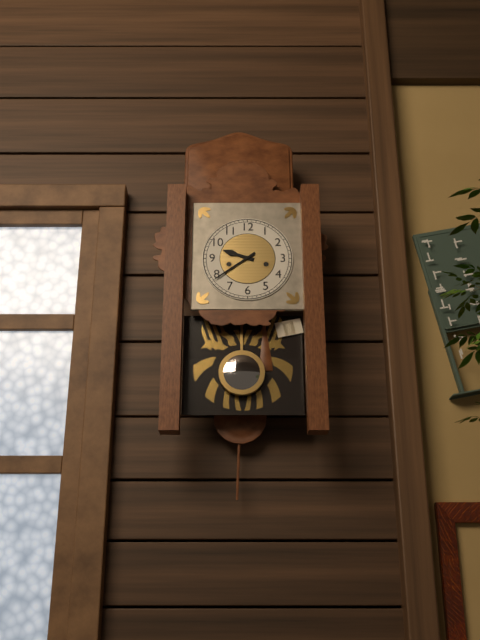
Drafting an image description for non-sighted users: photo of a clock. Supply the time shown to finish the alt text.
9:39
